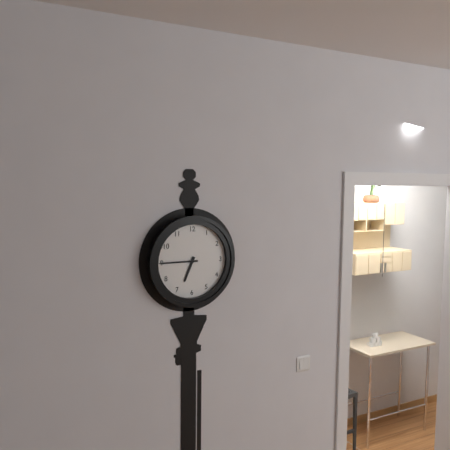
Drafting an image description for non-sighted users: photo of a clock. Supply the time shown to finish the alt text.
6:45
